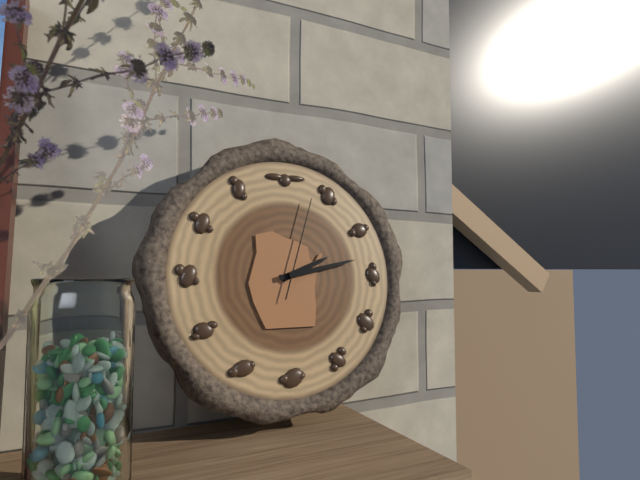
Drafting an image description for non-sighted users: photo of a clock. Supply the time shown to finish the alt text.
2:13:03
